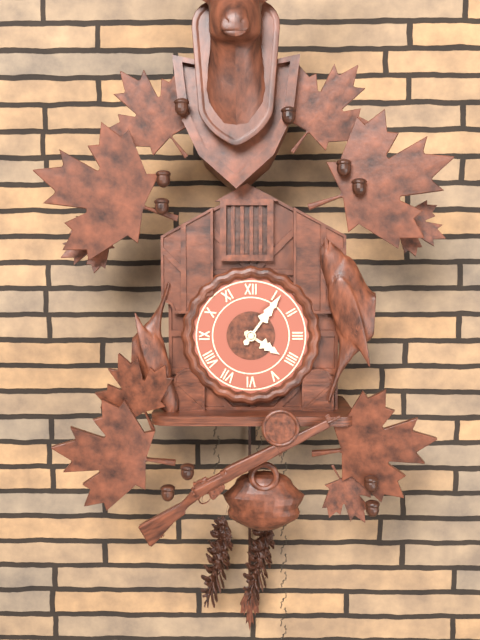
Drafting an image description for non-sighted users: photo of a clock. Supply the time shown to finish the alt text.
4:06
